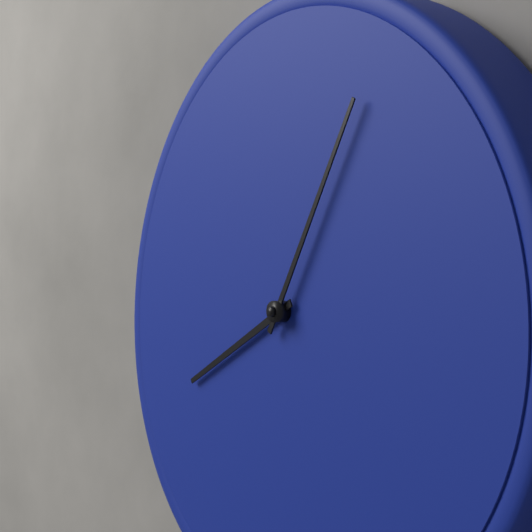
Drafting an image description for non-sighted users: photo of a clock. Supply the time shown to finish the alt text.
8:05
